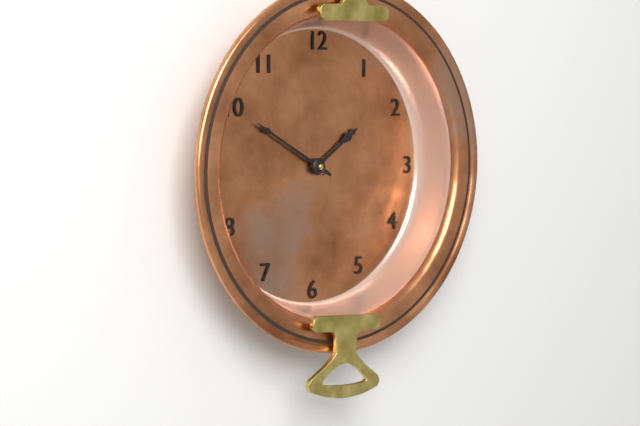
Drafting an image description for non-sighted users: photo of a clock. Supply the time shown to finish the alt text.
1:50
